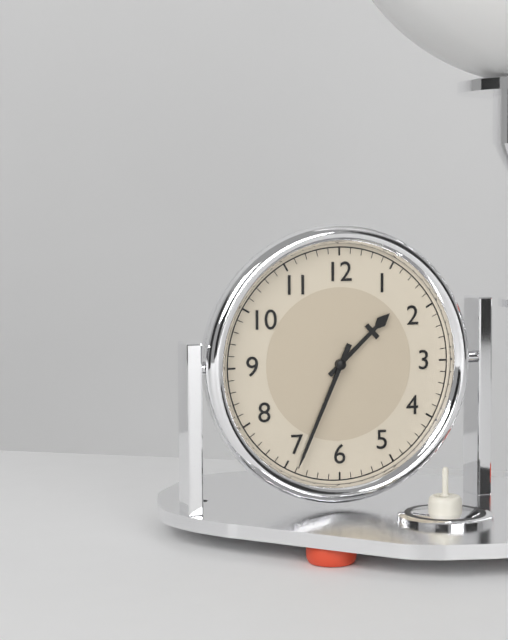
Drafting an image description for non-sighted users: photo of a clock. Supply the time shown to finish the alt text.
1:34
